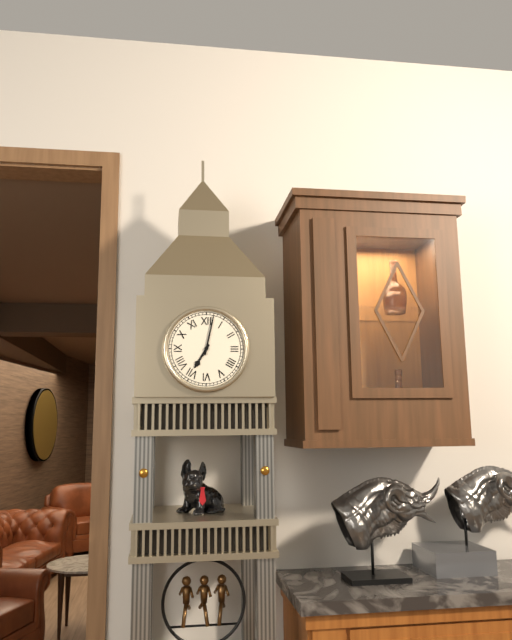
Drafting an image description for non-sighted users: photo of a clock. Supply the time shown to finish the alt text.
7:02
